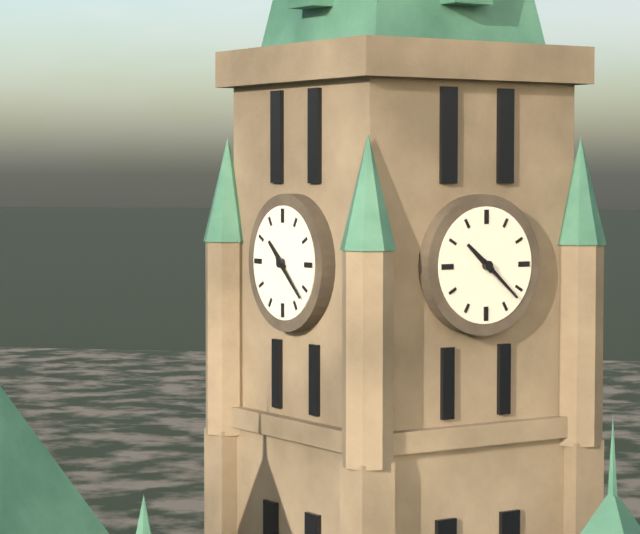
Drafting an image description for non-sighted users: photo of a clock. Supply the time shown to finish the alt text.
10:22
